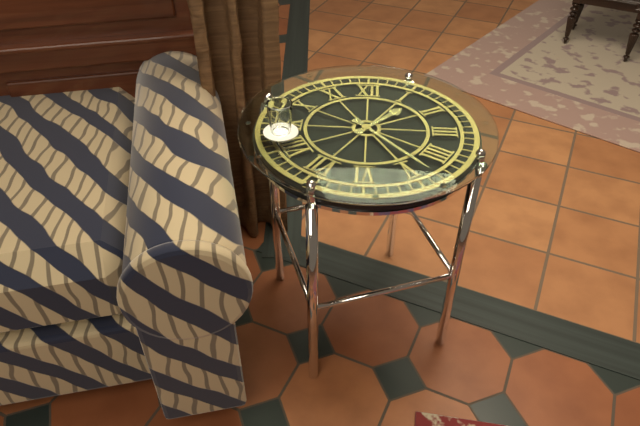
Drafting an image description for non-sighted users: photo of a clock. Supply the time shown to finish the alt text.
1:23
